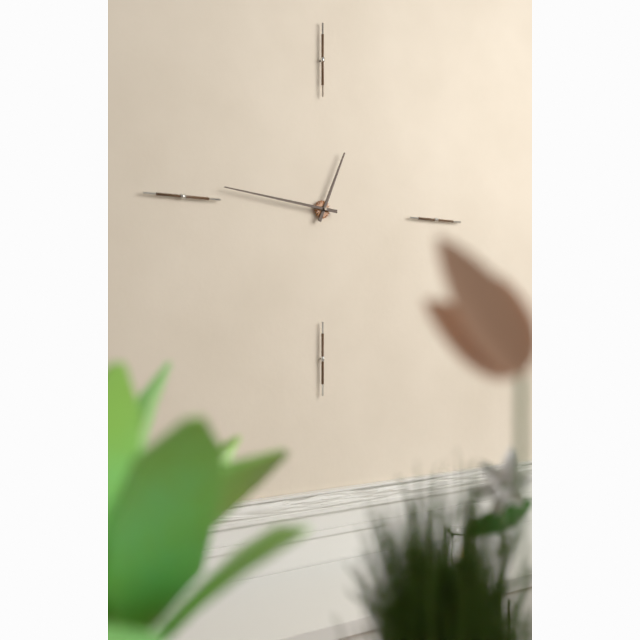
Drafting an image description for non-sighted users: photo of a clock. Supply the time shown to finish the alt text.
12:46
